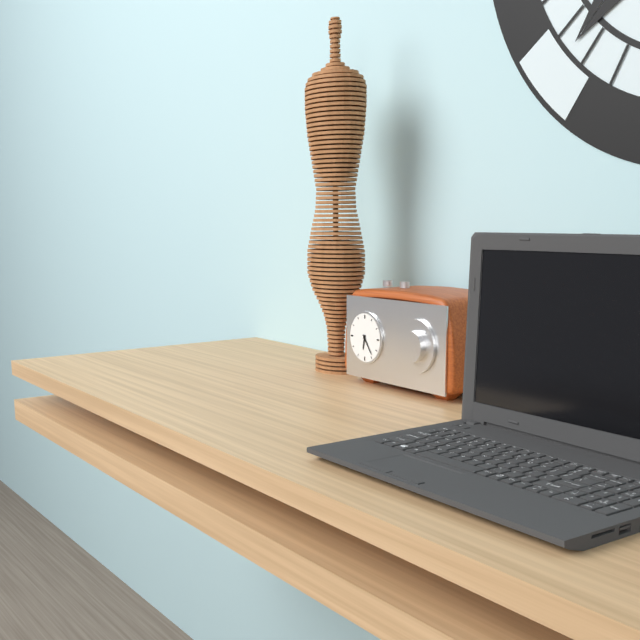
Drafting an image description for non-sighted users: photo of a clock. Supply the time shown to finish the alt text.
6:24
